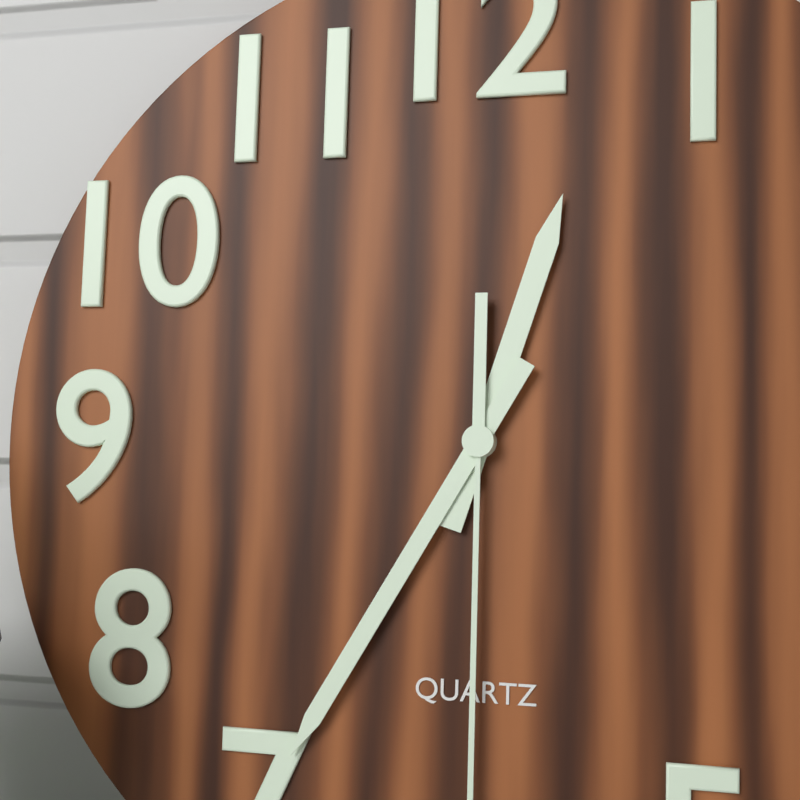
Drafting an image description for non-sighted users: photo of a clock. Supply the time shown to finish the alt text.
12:35
